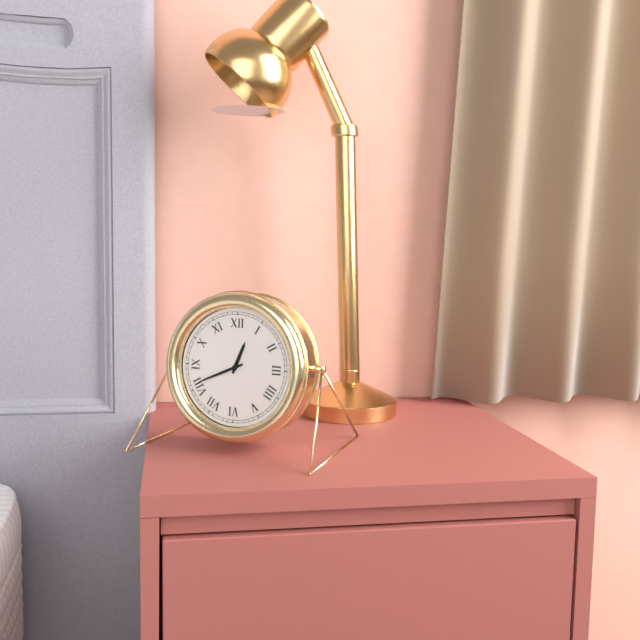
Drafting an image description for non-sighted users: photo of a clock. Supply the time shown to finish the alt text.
12:41
